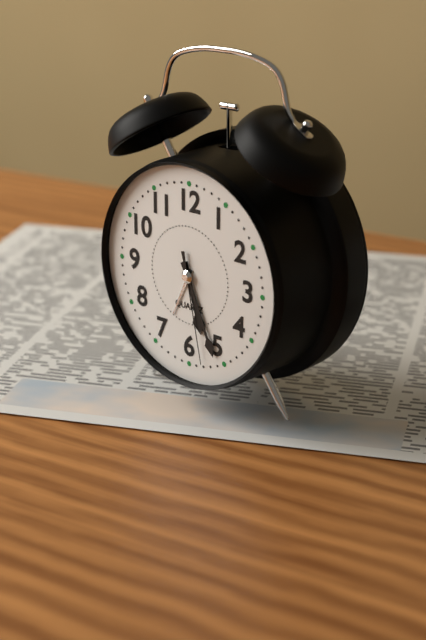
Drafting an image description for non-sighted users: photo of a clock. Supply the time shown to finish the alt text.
5:26:28
